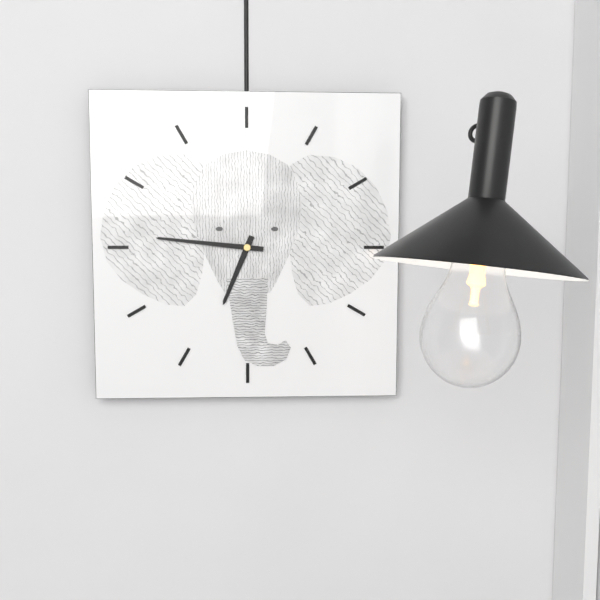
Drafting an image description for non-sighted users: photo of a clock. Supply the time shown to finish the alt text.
6:46
